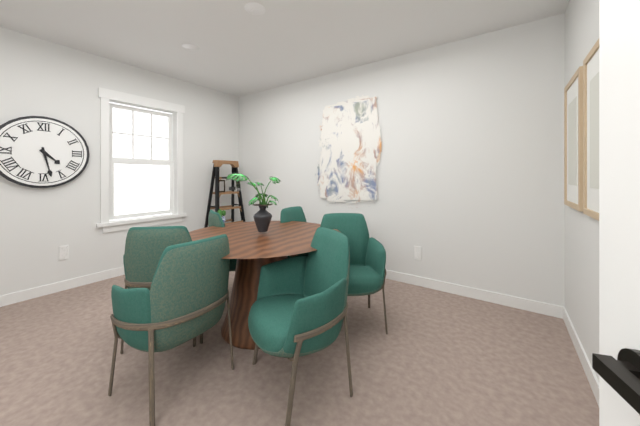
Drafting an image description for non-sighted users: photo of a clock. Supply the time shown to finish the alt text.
4:28
